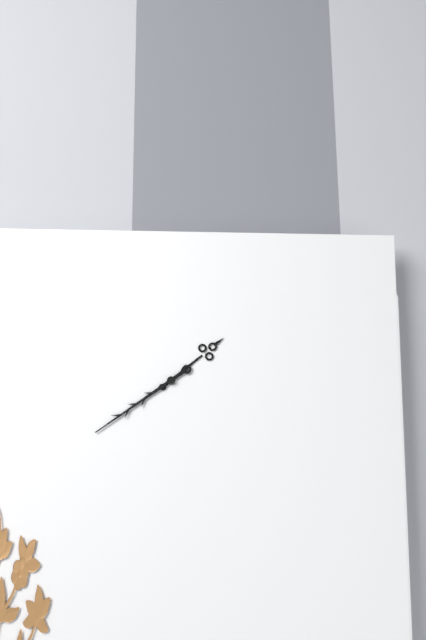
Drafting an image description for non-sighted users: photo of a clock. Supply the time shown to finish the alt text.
1:39
